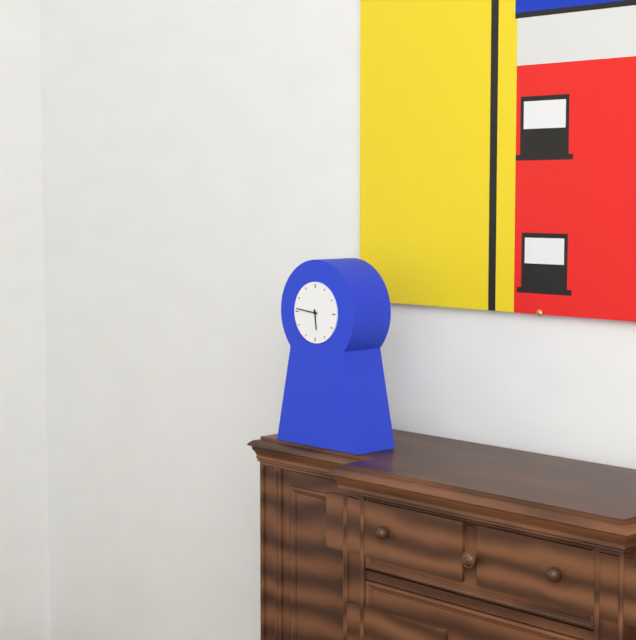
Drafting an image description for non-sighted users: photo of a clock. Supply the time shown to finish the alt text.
5:46
